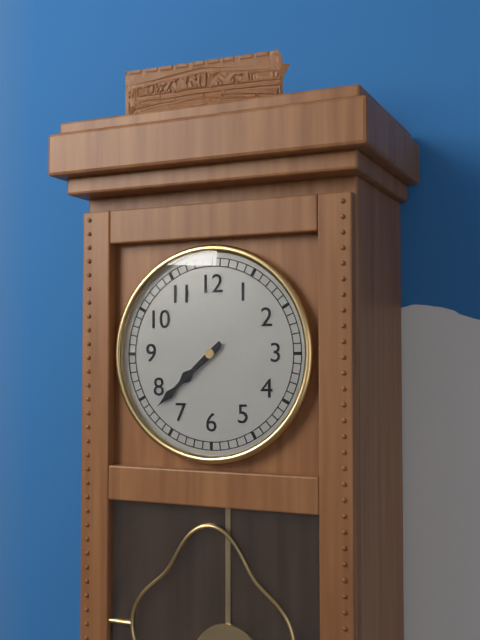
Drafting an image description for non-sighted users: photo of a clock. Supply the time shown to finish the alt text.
7:38
